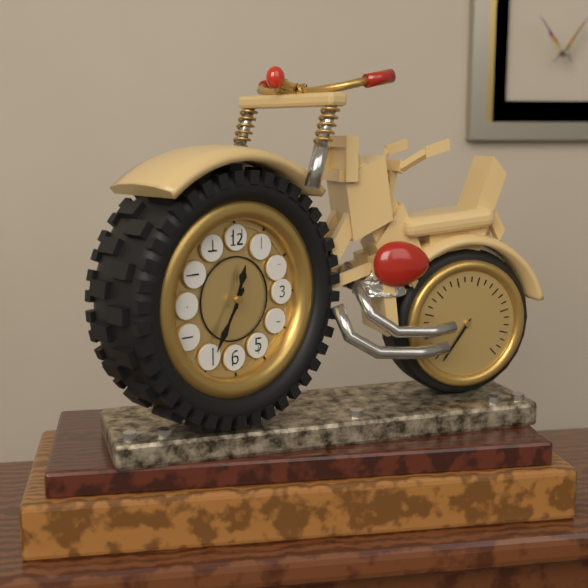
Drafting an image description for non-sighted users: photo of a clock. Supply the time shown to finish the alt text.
12:35
